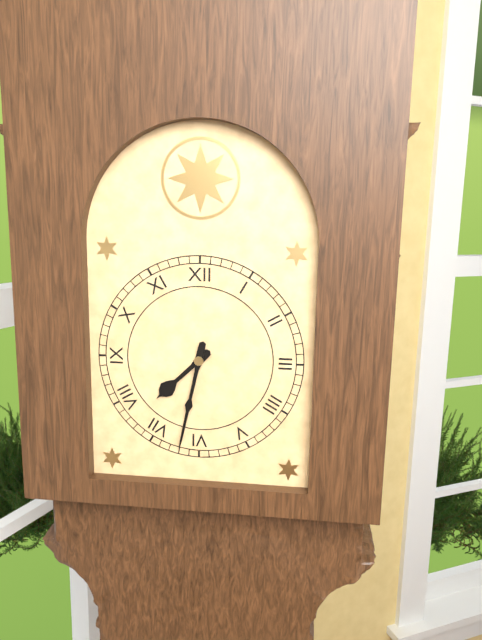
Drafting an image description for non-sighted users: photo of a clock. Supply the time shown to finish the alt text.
7:32
